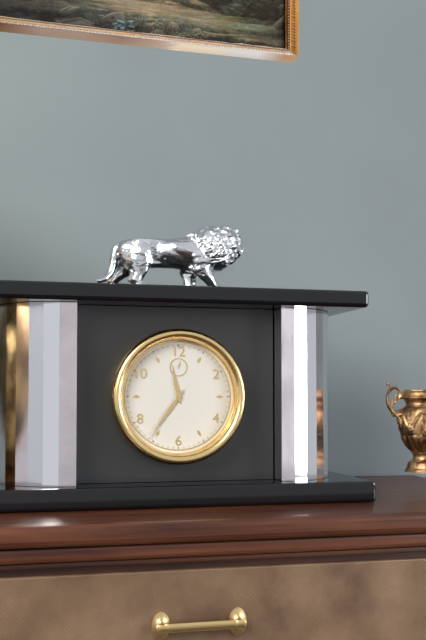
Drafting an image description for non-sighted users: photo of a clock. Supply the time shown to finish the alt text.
11:36
